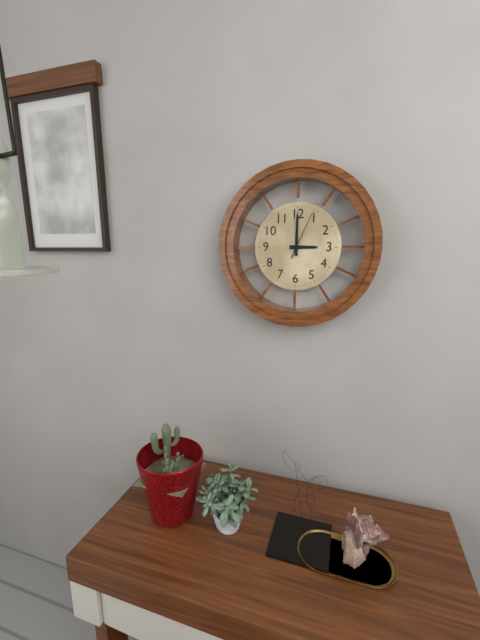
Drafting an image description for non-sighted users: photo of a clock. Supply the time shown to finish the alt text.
3:00:04
